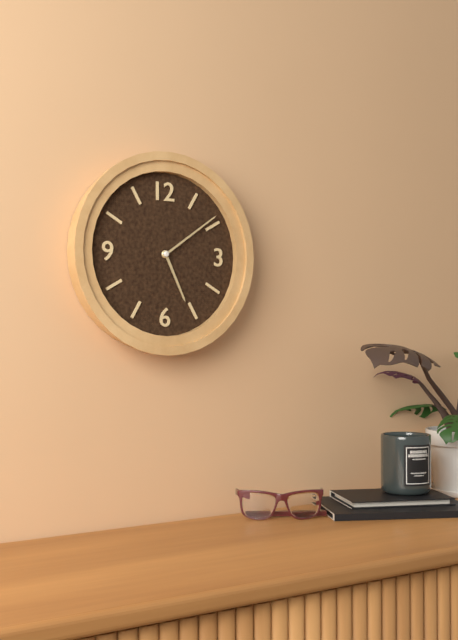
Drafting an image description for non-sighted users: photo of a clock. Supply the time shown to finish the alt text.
5:09
